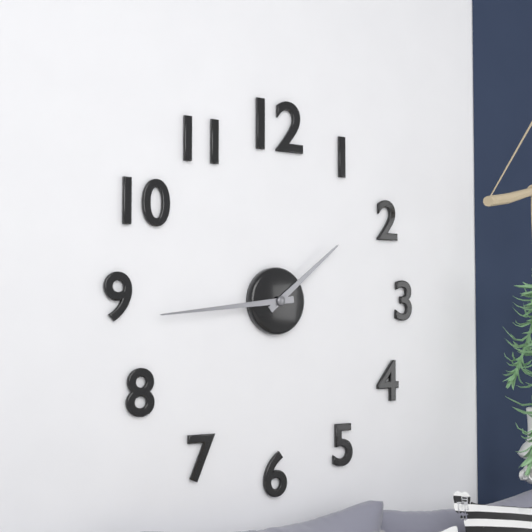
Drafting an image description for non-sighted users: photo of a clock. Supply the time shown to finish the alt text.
1:44
